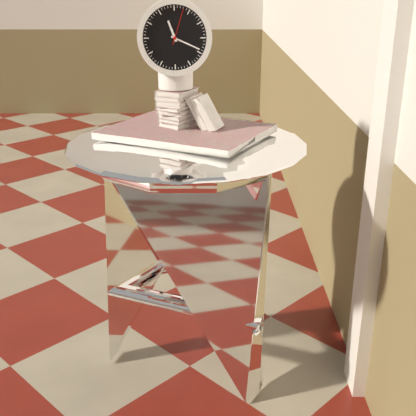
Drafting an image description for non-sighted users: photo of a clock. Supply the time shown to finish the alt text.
11:19
